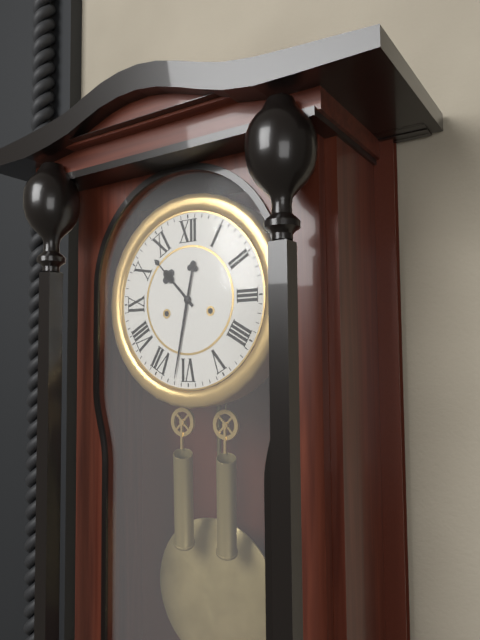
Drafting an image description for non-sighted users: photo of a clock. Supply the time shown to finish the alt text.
10:32
